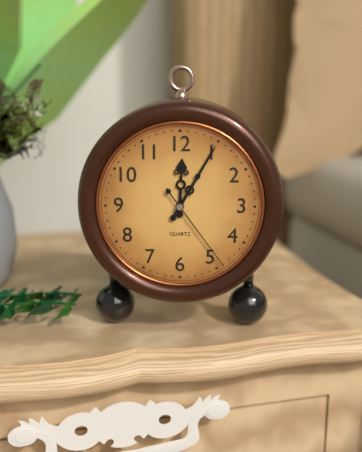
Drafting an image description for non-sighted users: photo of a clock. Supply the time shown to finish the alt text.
12:05:24
